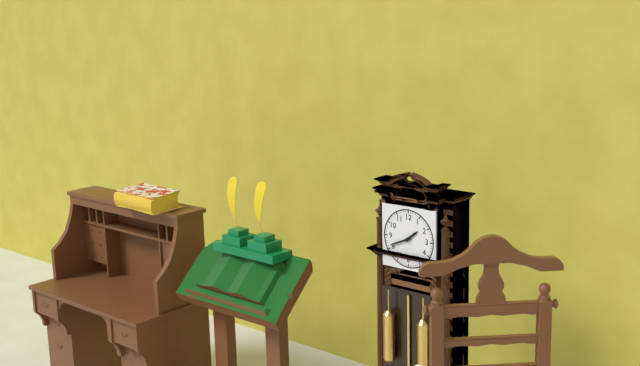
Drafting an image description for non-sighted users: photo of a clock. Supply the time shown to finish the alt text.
1:41
